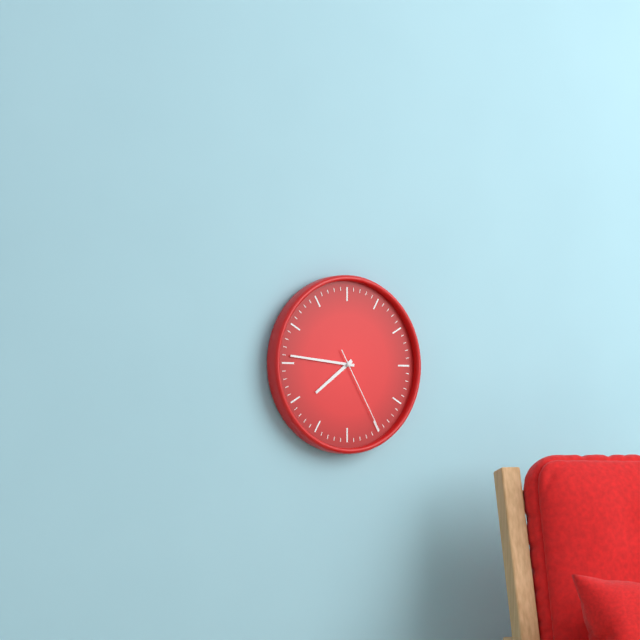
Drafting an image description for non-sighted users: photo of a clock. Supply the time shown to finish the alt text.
7:46:25
